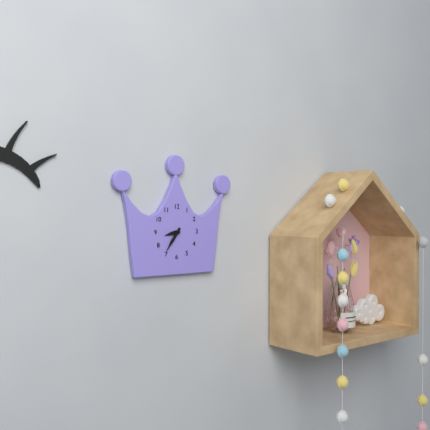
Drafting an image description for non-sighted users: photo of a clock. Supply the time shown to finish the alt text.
8:36
